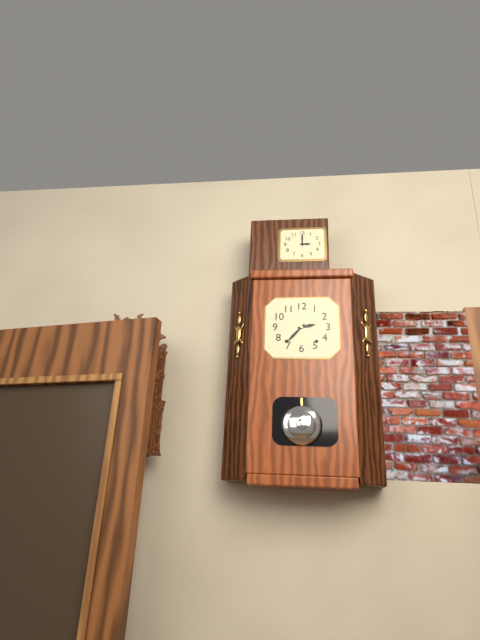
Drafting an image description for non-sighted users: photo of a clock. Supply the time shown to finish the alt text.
2:37
